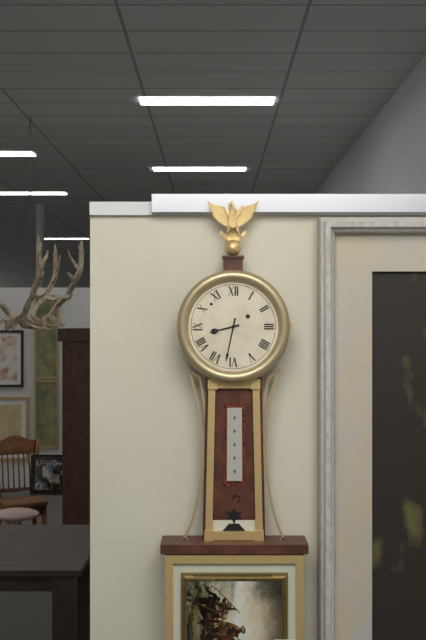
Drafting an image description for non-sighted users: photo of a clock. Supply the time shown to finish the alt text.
8:32
